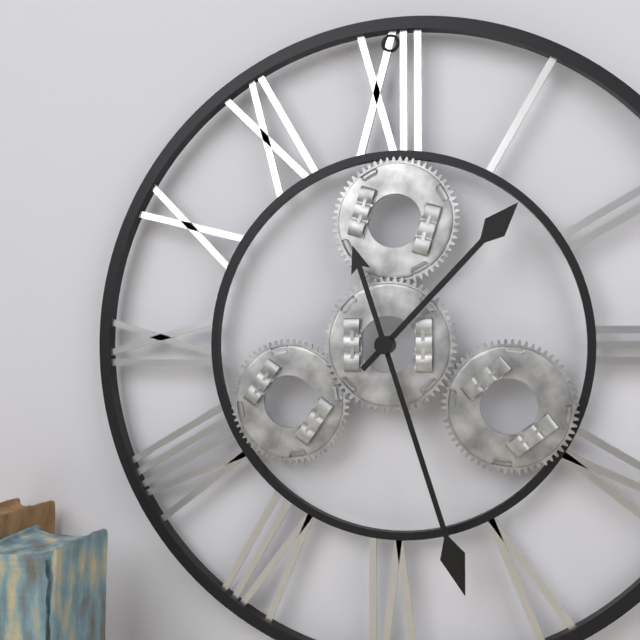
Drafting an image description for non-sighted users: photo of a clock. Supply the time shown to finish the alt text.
1:27
